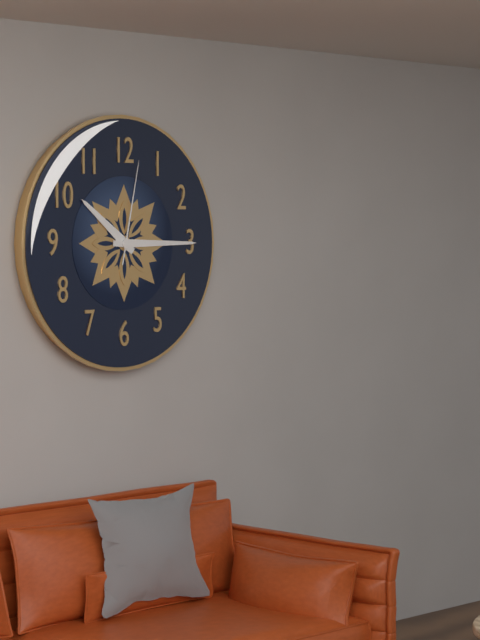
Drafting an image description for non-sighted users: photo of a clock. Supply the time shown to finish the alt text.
10:15:02
